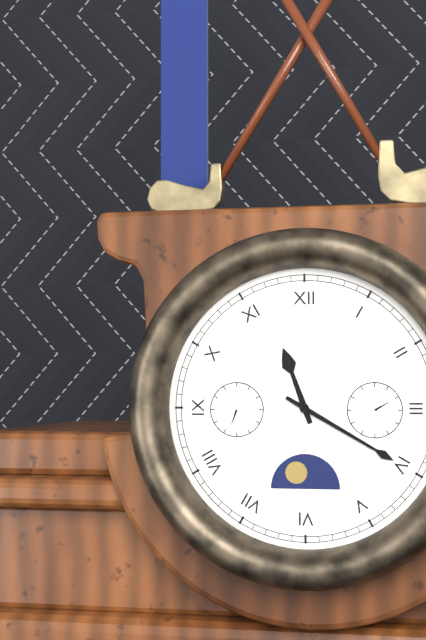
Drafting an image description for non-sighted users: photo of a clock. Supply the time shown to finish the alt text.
11:20
